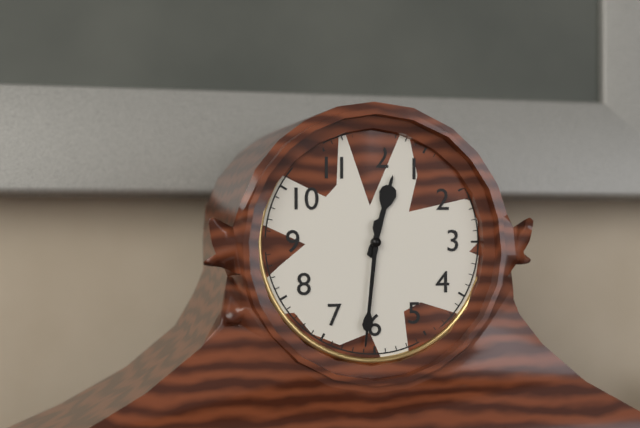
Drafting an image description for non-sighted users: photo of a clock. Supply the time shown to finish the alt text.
12:31
